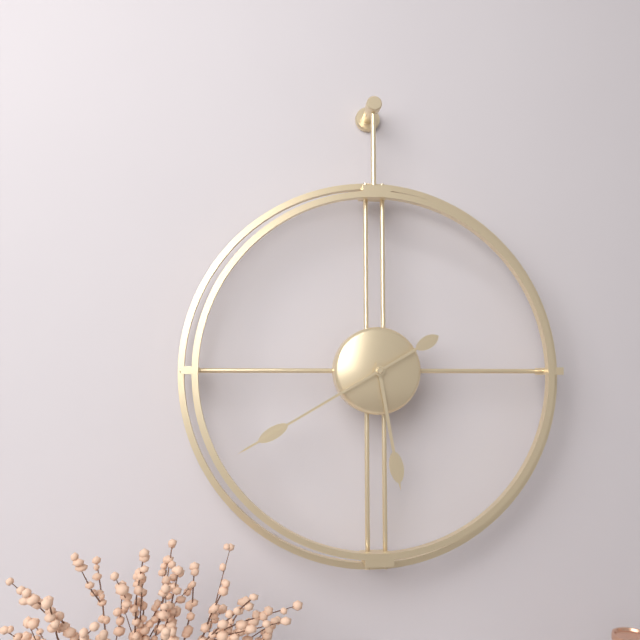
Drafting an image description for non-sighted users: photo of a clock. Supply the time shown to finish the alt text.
5:40
